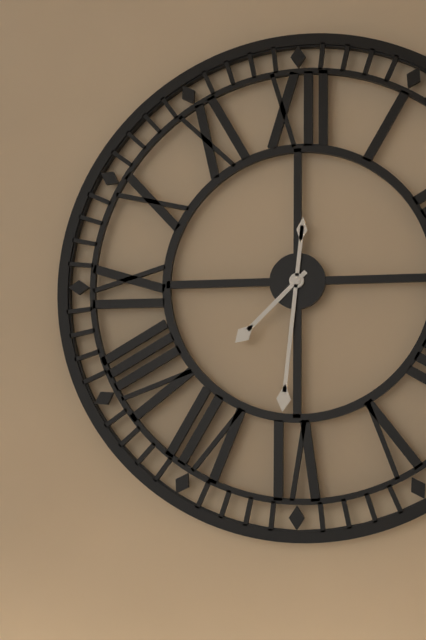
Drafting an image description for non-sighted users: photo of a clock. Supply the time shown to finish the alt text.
7:31
